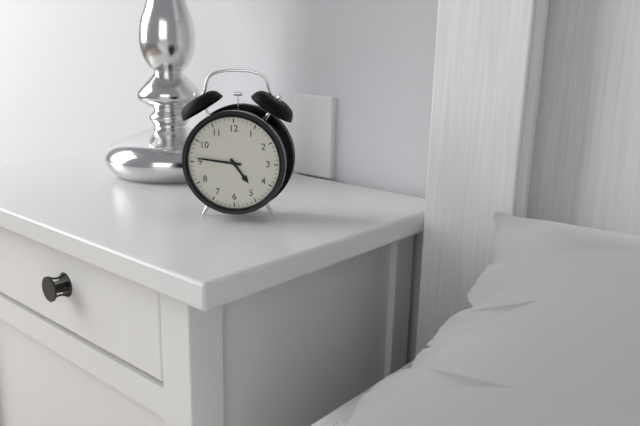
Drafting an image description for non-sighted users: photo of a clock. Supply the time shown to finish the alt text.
4:46
